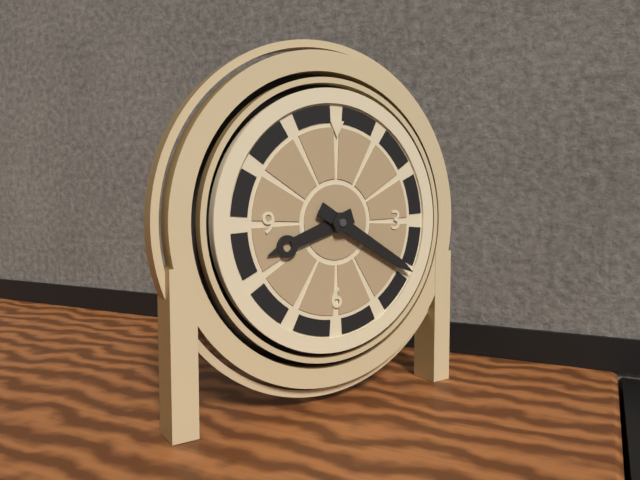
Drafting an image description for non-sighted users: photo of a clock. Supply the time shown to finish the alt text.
8:20
